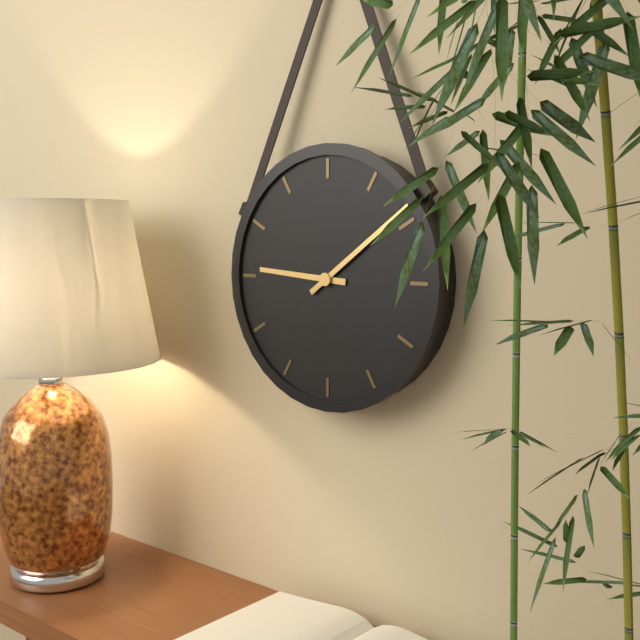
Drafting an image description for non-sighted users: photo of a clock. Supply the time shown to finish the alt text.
9:09
